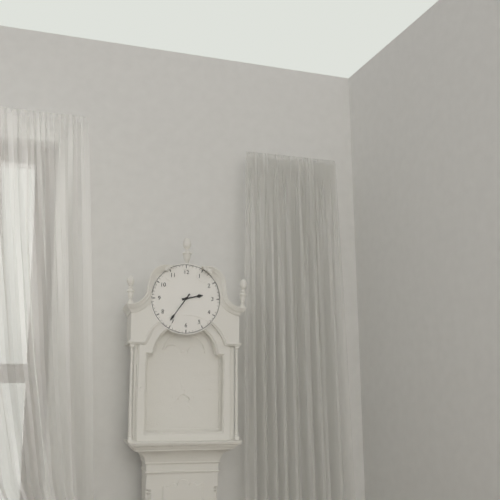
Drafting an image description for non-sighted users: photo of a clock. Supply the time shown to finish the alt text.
2:36
